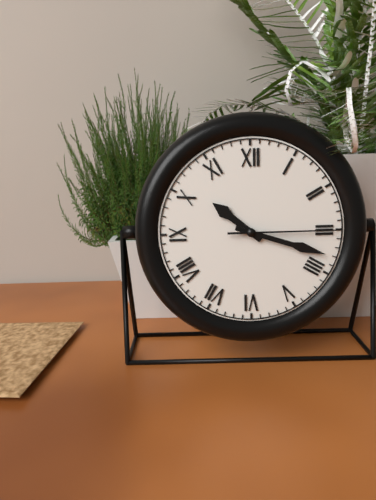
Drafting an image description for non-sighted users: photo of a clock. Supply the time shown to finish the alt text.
10:18:15
